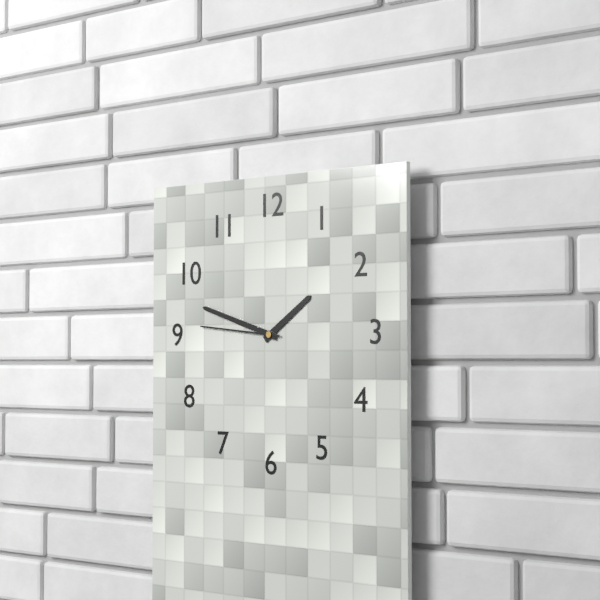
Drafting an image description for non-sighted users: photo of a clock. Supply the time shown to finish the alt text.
1:48:46
